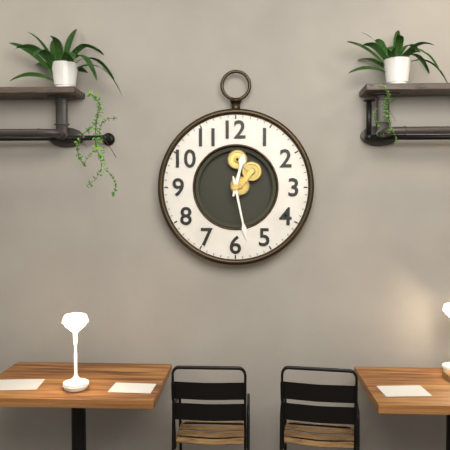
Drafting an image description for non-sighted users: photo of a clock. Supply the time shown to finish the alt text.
12:28
